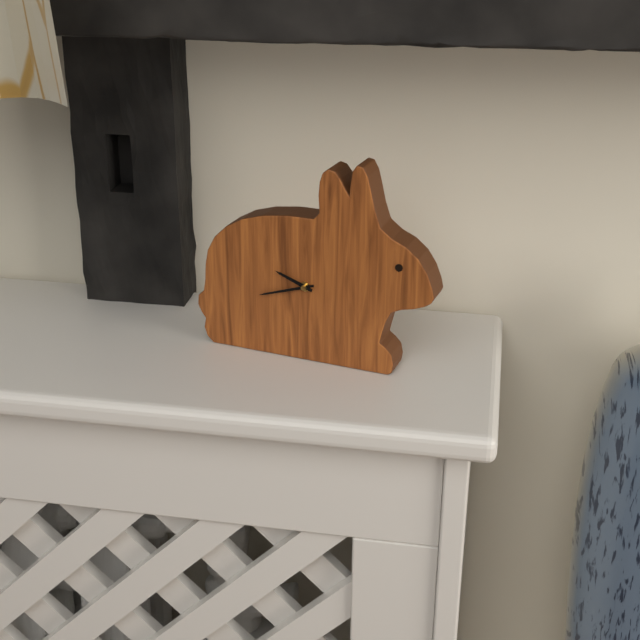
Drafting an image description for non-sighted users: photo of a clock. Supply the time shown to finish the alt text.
9:42
